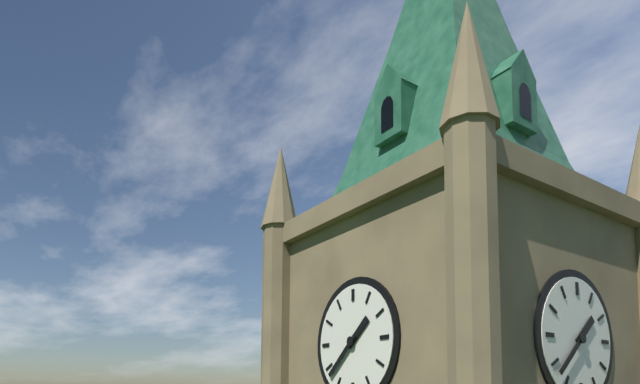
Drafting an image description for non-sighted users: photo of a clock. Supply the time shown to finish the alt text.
1:38
